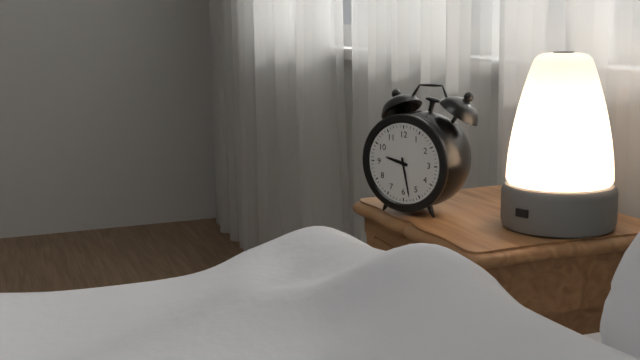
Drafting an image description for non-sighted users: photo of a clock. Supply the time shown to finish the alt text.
9:28
